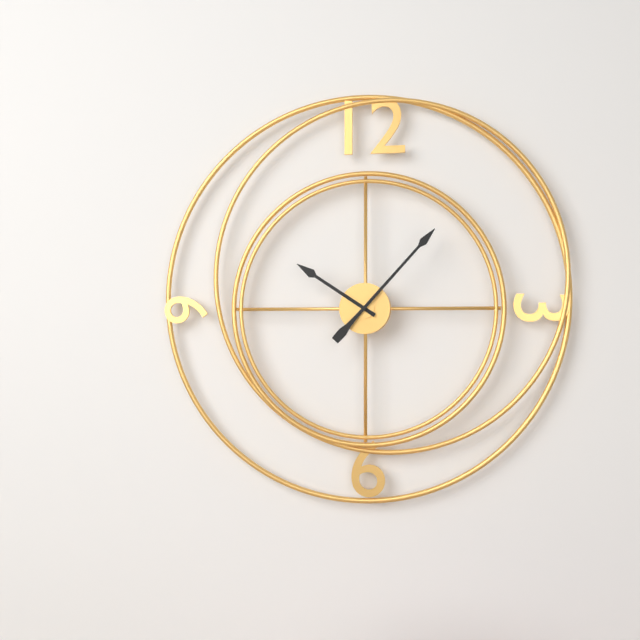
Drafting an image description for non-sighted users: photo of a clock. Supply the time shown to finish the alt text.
10:07
